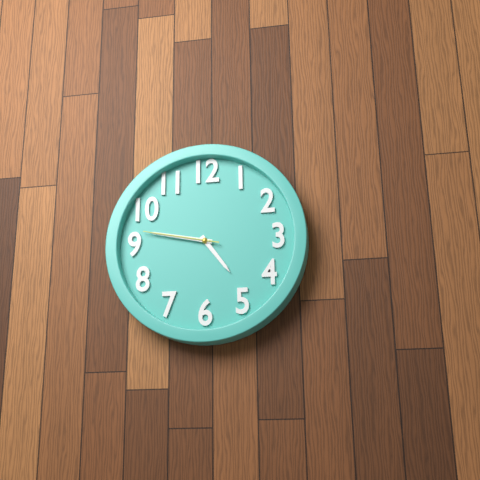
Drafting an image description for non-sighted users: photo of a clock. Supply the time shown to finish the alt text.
4:47:47
